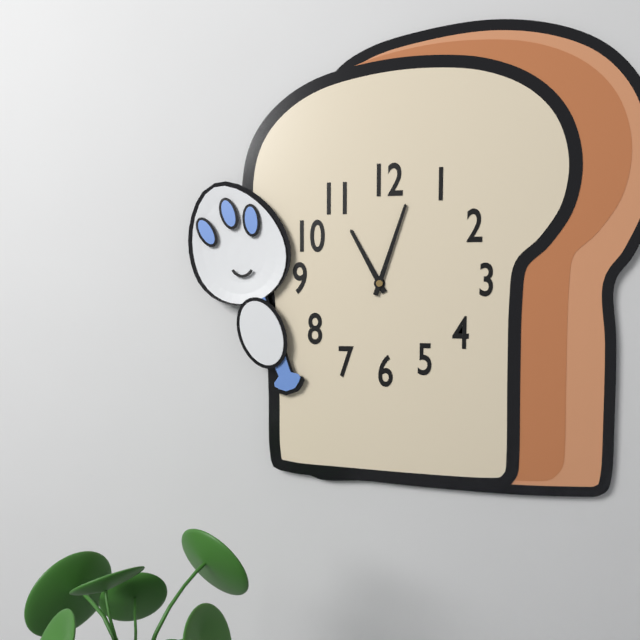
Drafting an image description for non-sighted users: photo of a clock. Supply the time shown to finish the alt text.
11:03
